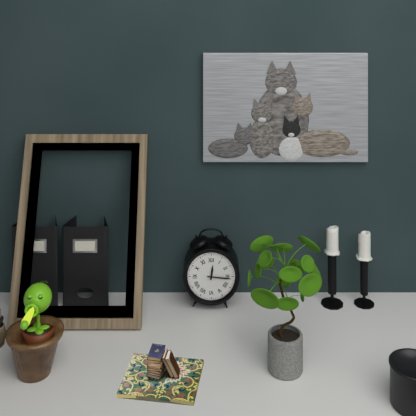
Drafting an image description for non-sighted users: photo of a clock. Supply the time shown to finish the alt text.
12:16
